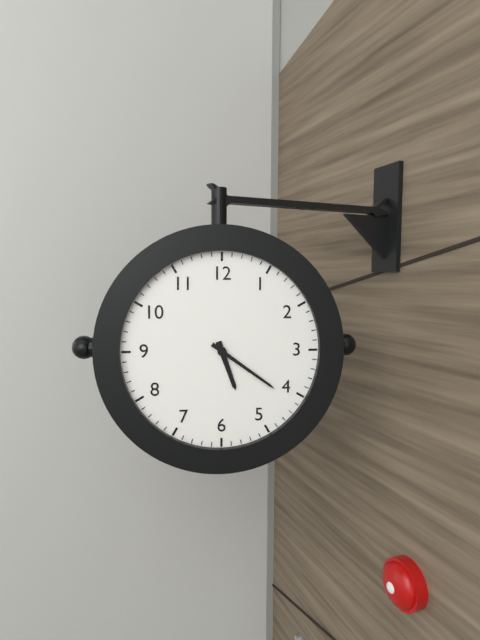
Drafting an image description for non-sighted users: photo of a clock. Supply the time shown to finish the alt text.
5:21
